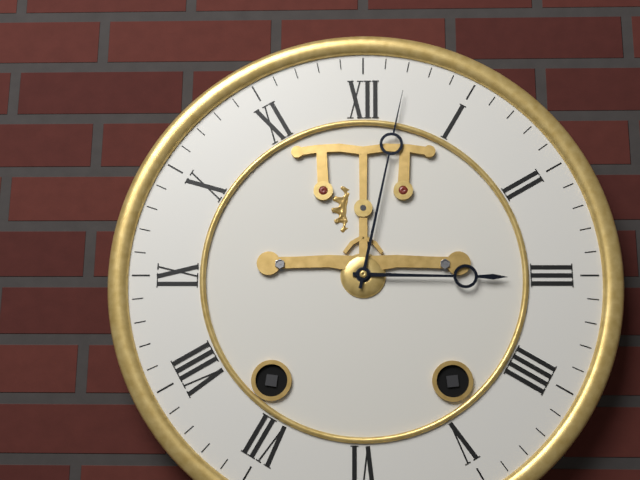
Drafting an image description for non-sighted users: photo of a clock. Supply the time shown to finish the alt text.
3:02
